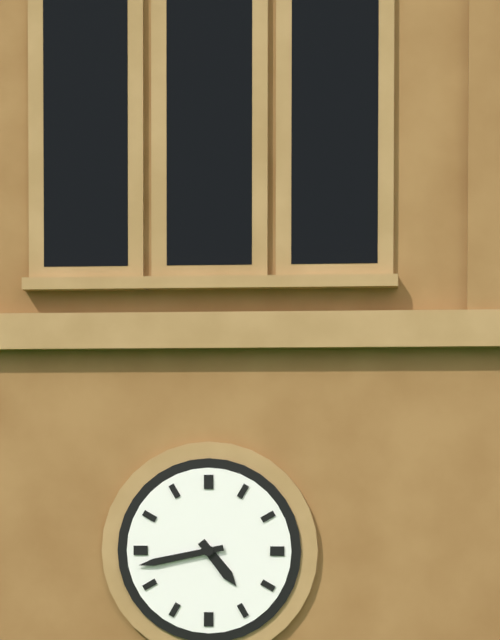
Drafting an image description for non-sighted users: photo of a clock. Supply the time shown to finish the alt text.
4:43
